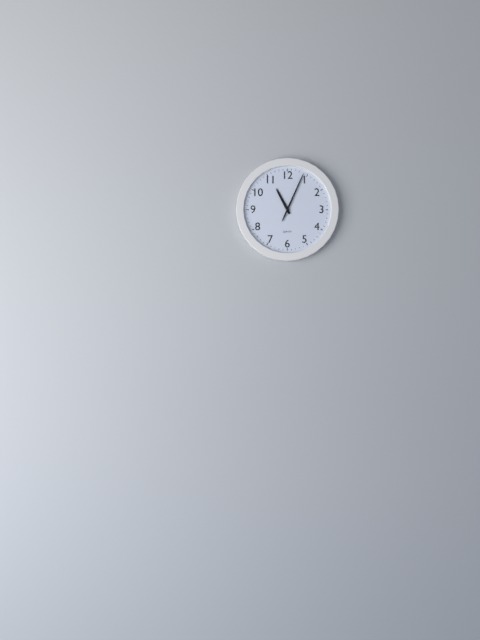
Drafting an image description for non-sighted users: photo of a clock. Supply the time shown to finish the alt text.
11:04
